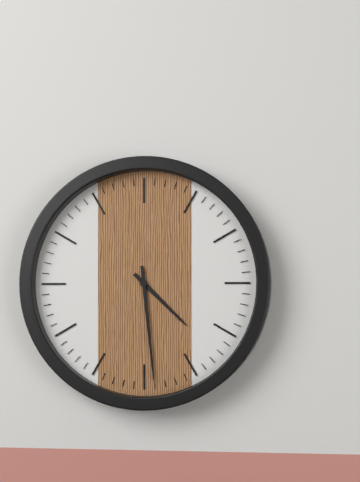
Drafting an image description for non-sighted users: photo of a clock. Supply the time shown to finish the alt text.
4:29
